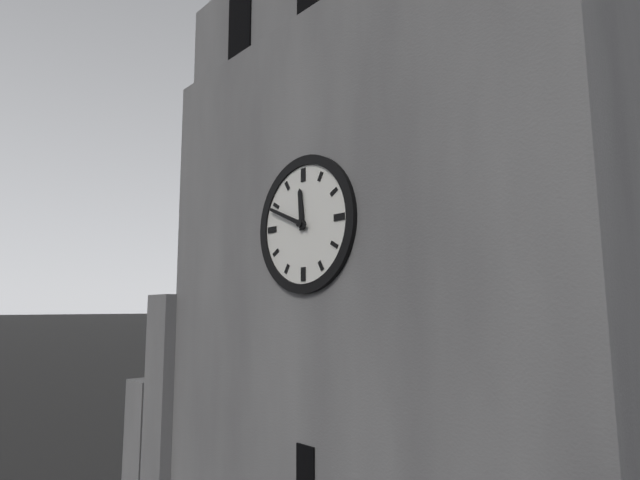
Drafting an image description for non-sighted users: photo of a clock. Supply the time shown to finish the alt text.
11:49
